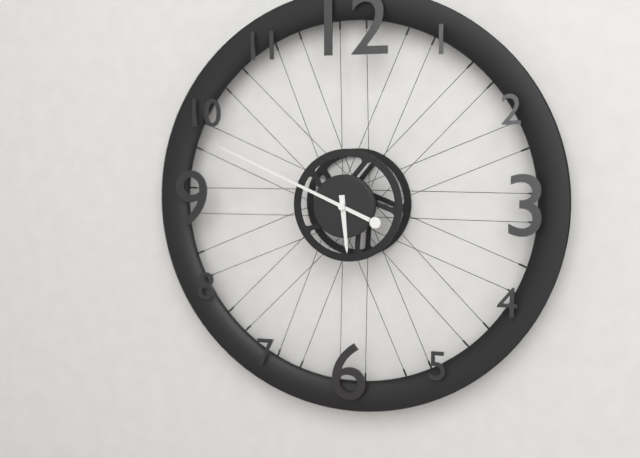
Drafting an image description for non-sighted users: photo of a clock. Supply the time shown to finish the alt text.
5:49
